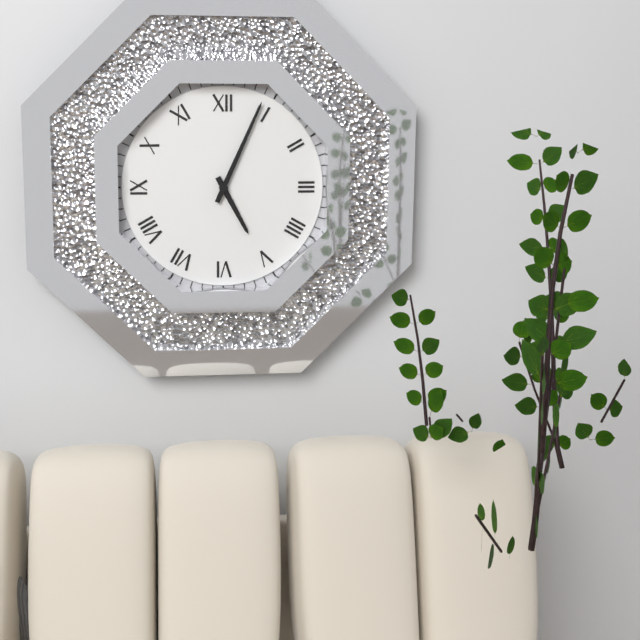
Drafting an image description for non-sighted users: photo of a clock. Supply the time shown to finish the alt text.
5:04
